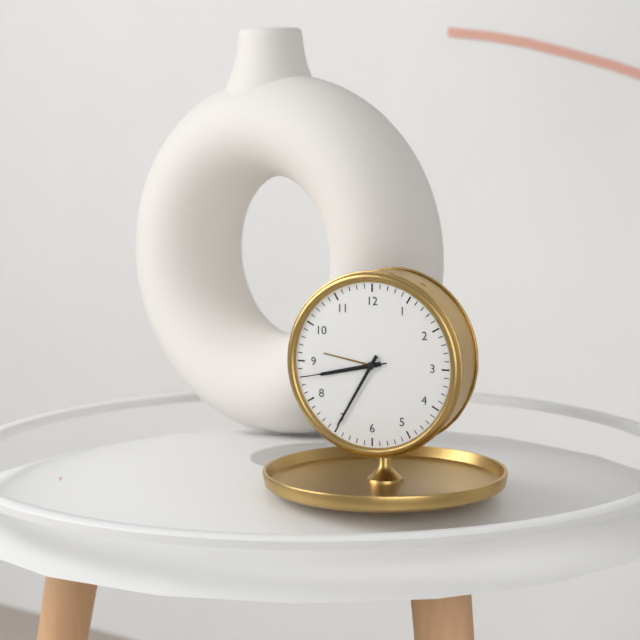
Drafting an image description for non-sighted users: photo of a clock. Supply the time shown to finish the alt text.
8:35:43
